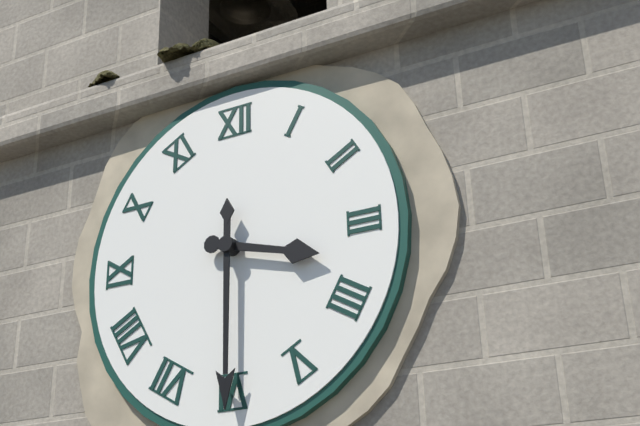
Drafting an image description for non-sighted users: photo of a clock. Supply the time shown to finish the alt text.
3:30
